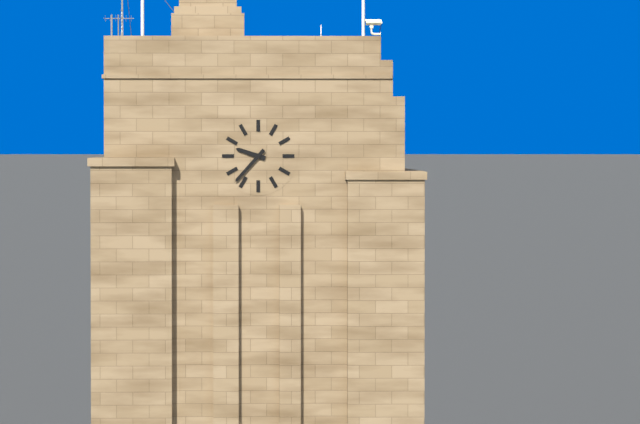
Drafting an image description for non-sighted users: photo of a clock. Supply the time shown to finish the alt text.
9:37
